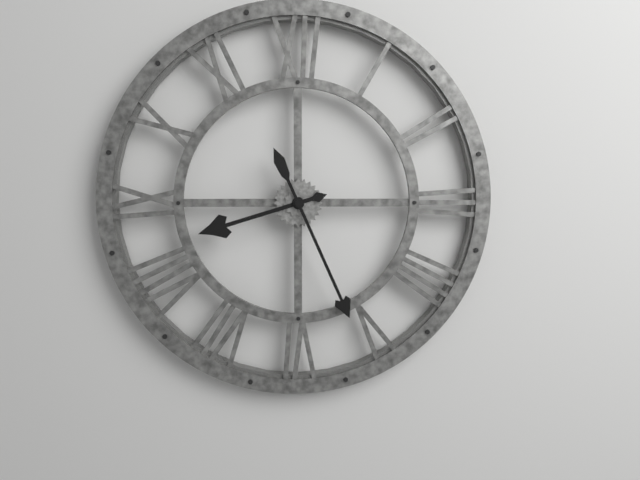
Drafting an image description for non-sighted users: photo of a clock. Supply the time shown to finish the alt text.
8:26
